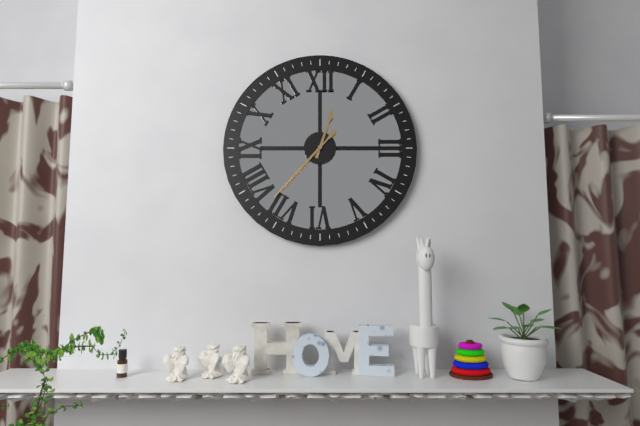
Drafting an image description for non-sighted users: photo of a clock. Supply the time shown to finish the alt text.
12:37
